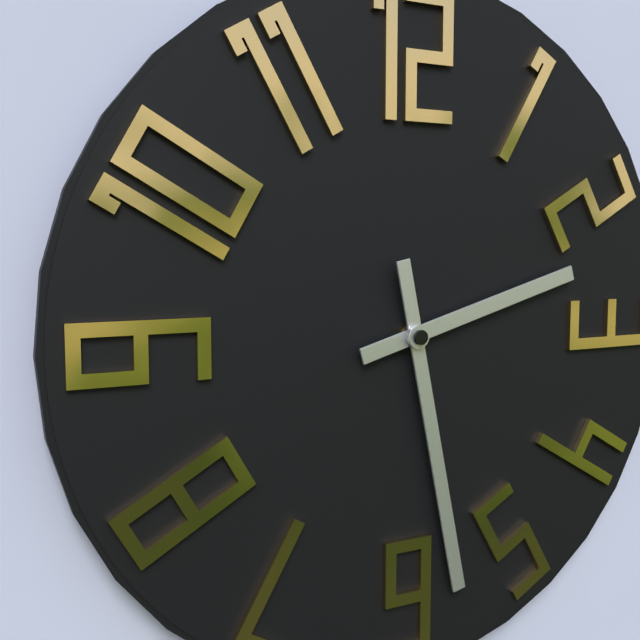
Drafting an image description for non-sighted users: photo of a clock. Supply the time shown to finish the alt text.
2:28
